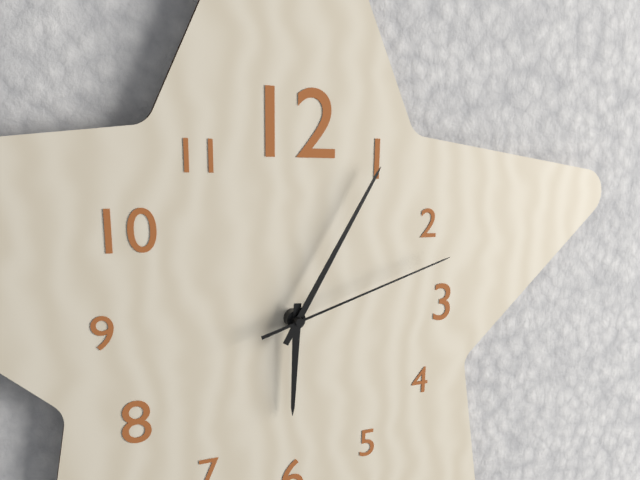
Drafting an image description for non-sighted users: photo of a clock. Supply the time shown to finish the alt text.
6:05:12
